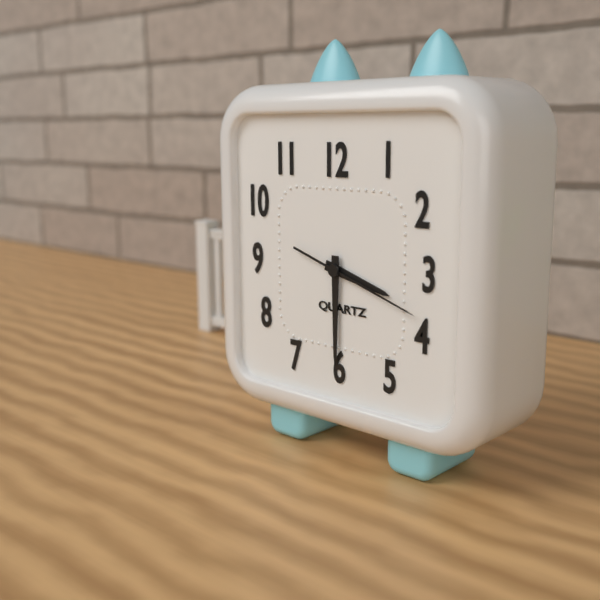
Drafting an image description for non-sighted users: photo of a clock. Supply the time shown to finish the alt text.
3:30:18
